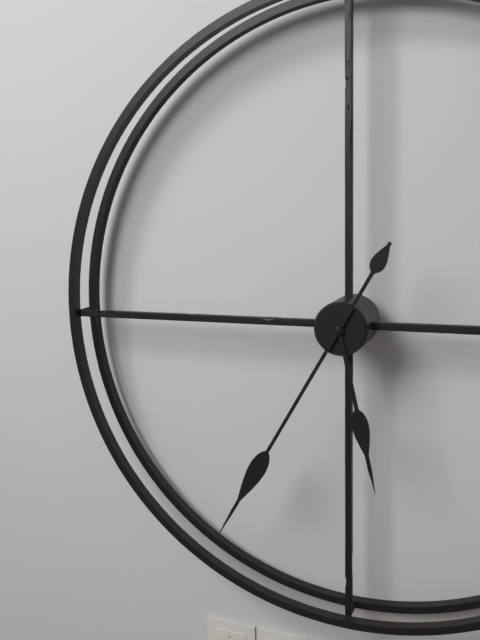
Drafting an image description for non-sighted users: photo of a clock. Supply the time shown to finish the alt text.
5:35
